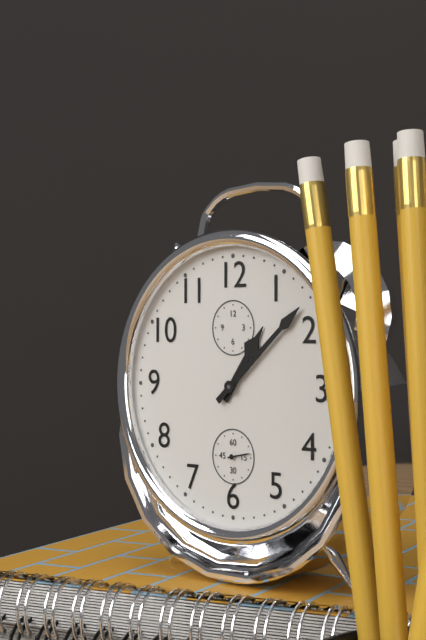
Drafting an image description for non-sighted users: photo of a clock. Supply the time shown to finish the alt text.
1:08
